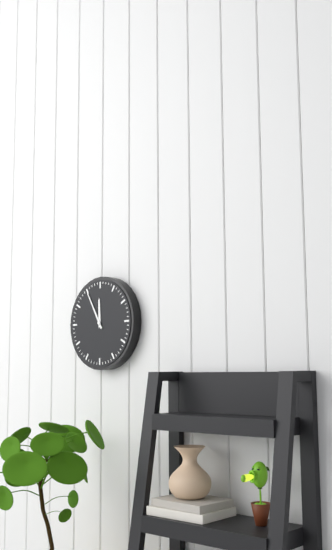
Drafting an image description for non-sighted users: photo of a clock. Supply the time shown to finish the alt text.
11:55
